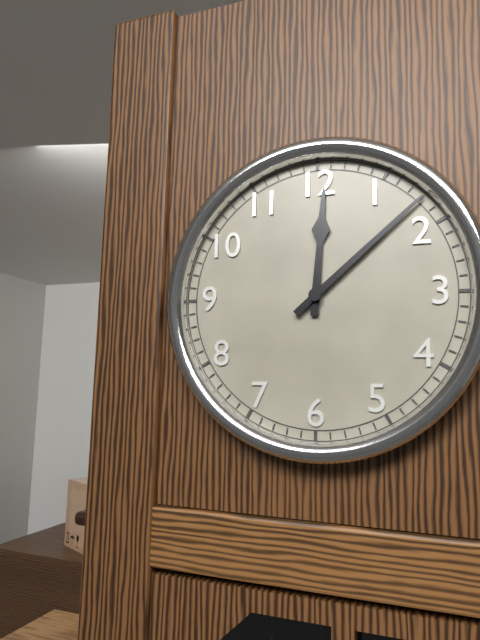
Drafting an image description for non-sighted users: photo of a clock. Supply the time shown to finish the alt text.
12:08
